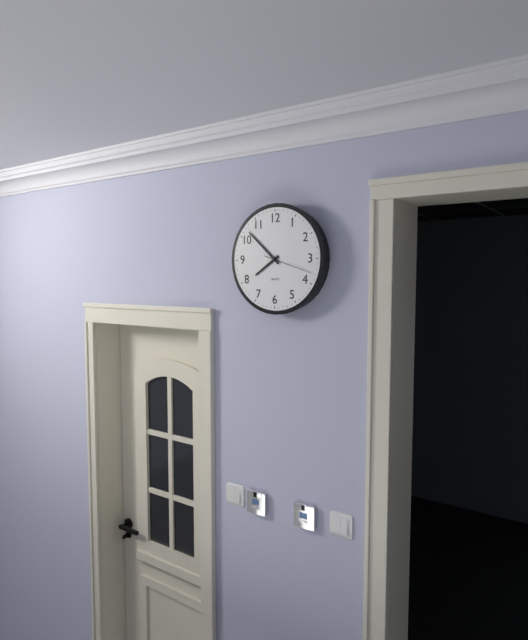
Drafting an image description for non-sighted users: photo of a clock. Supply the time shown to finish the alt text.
7:52:18
